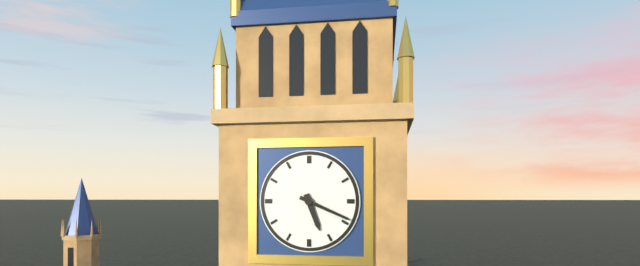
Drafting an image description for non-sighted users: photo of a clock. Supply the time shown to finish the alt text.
5:19
